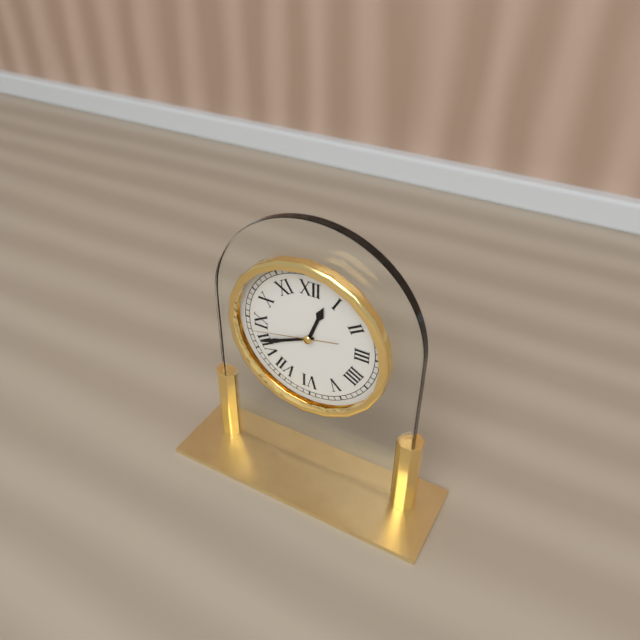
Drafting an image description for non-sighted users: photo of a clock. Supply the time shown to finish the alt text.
12:41:43
